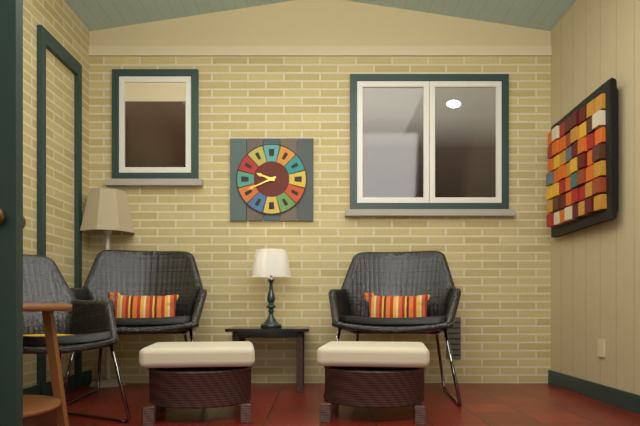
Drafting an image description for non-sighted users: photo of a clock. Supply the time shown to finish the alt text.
9:41
